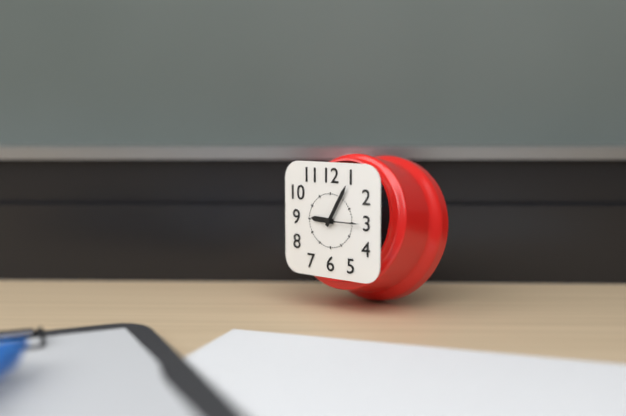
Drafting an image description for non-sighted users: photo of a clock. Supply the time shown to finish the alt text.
9:05
